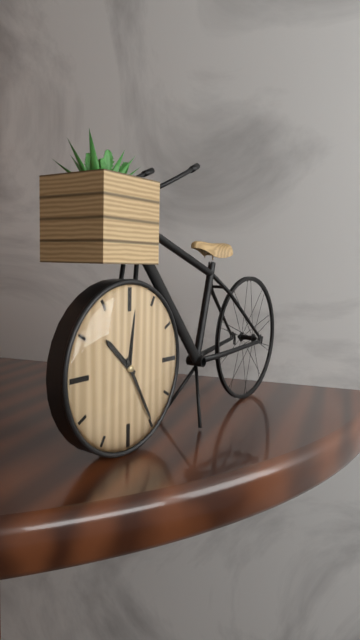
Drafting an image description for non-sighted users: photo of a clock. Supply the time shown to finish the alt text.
10:25
